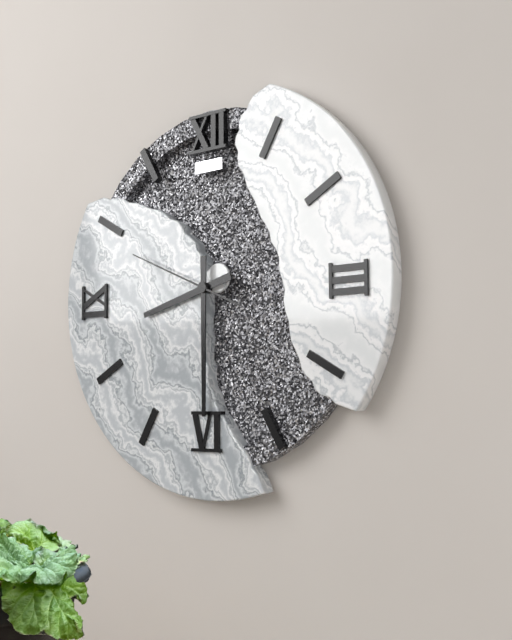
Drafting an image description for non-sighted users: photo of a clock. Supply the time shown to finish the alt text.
8:30:49
